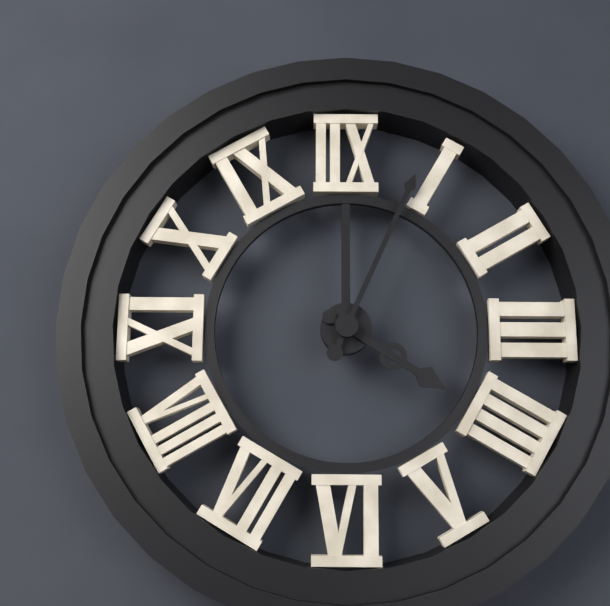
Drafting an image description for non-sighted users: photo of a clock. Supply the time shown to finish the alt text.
4:04
